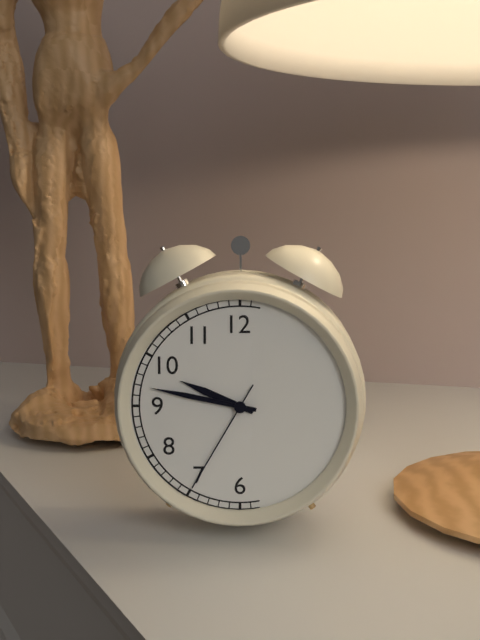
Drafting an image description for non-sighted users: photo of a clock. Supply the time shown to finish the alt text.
9:47:35
